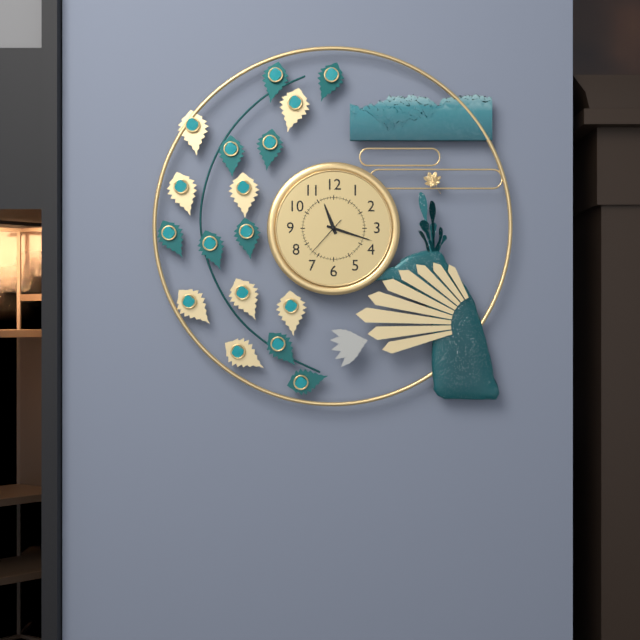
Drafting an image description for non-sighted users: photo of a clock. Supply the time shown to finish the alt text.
11:18
